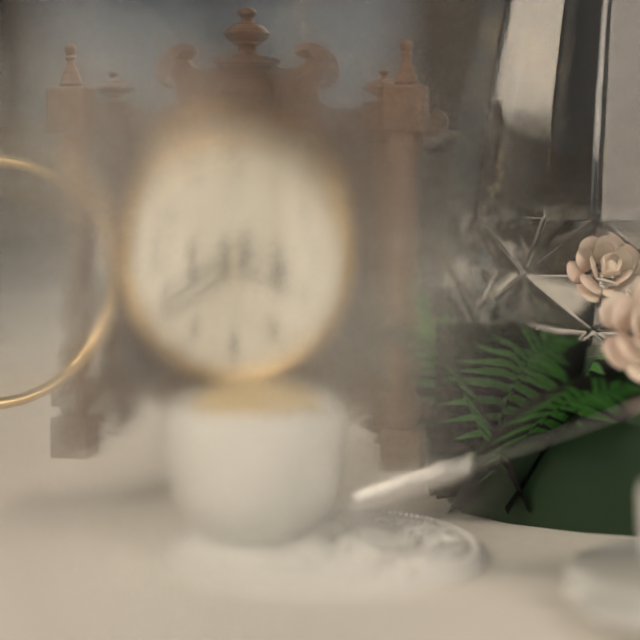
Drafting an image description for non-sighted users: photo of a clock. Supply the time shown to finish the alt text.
3:39
